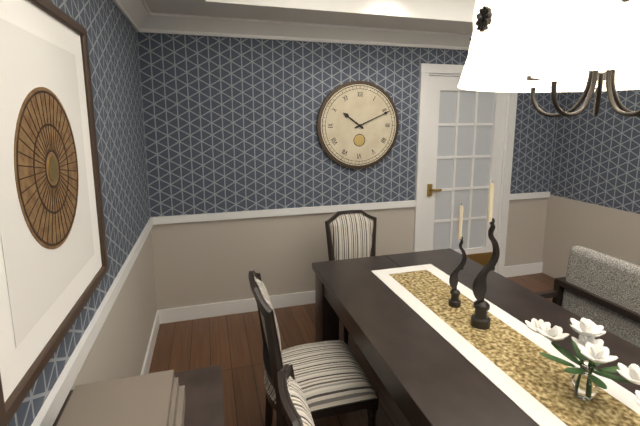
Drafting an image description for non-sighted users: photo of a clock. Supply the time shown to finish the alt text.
10:11
